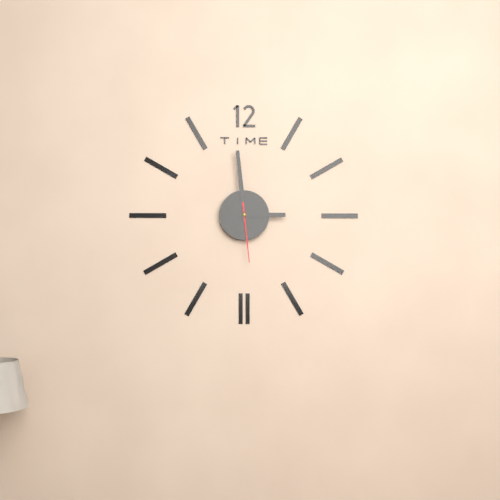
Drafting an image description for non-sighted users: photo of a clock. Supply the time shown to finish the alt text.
2:59:29
